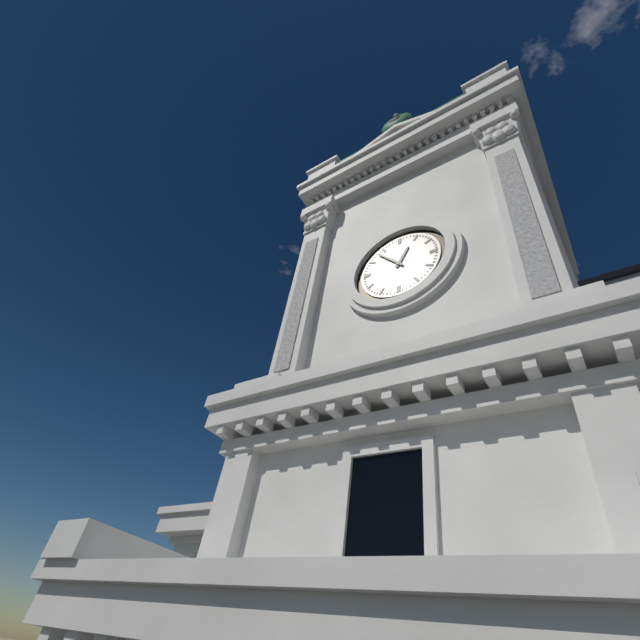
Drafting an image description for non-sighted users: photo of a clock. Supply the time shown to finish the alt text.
12:53
